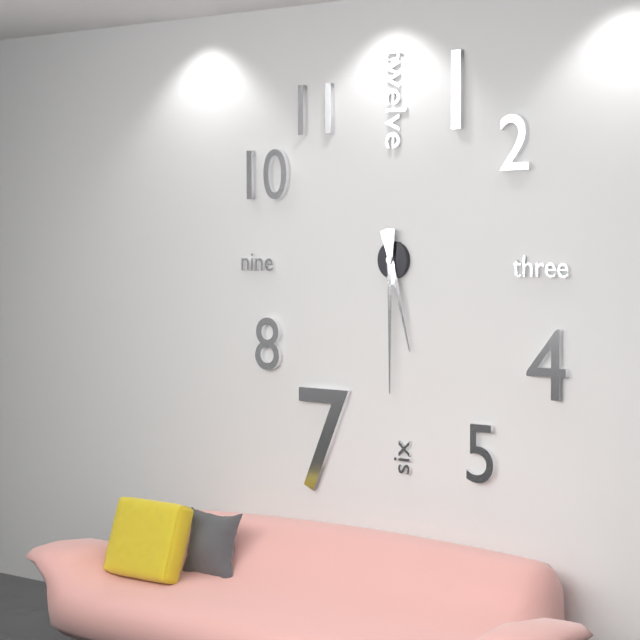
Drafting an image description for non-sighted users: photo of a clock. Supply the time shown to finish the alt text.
5:30
